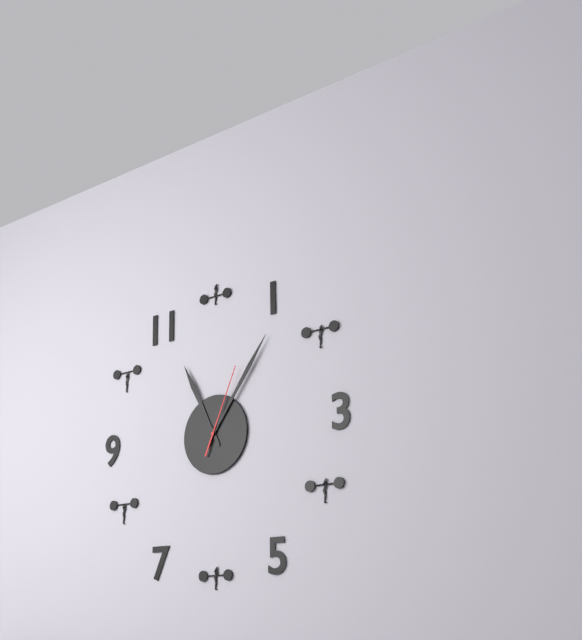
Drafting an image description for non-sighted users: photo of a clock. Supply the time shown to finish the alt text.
11:06:04
